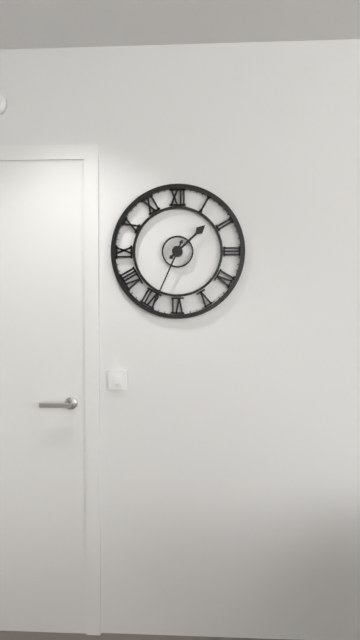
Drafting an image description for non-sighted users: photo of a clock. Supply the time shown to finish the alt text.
1:34
